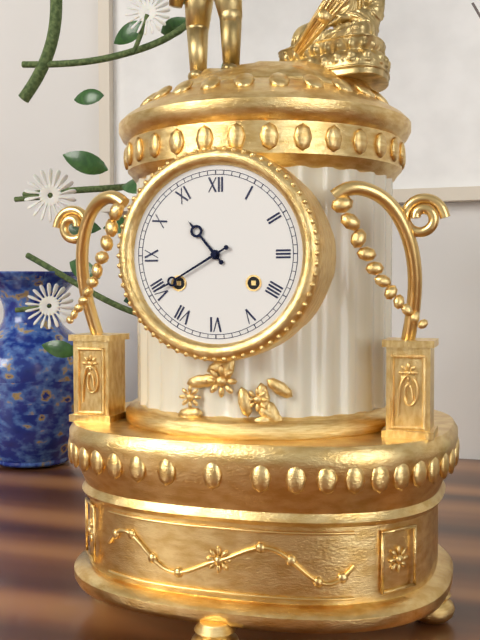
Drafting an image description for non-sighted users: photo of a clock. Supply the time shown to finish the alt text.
10:40
